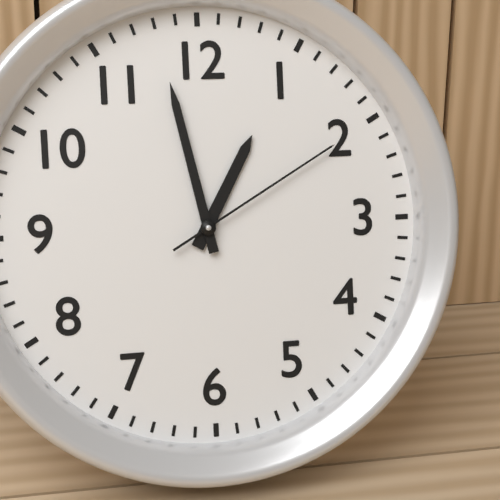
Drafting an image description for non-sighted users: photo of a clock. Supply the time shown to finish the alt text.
12:58:10
